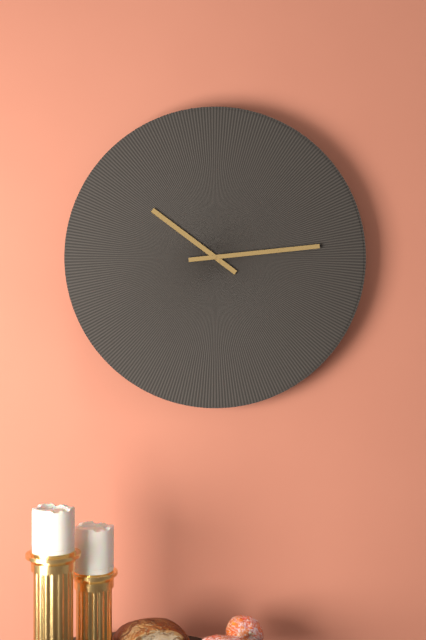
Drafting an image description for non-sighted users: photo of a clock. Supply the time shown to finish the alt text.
10:14
